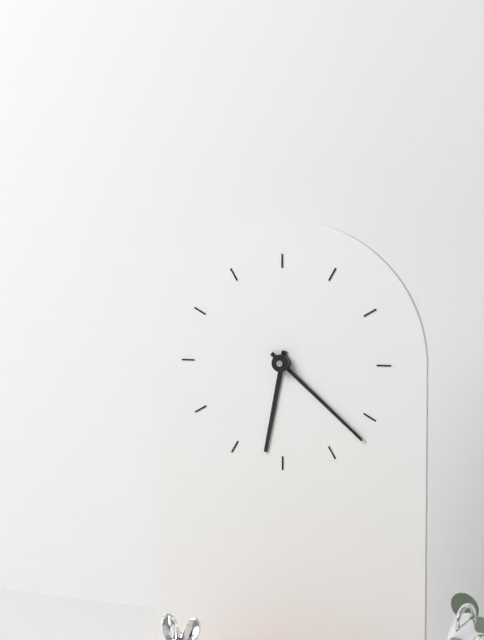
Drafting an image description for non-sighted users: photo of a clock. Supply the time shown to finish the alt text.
6:22
